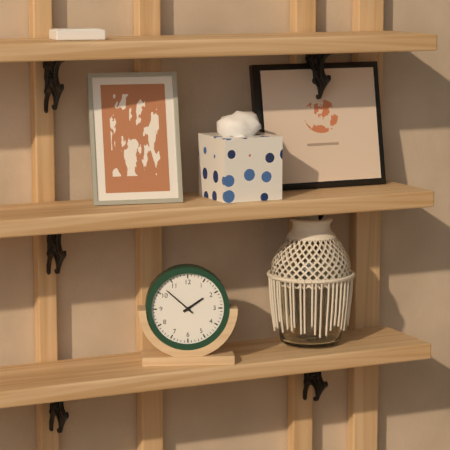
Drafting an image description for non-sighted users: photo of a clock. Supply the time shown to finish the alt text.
1:52
